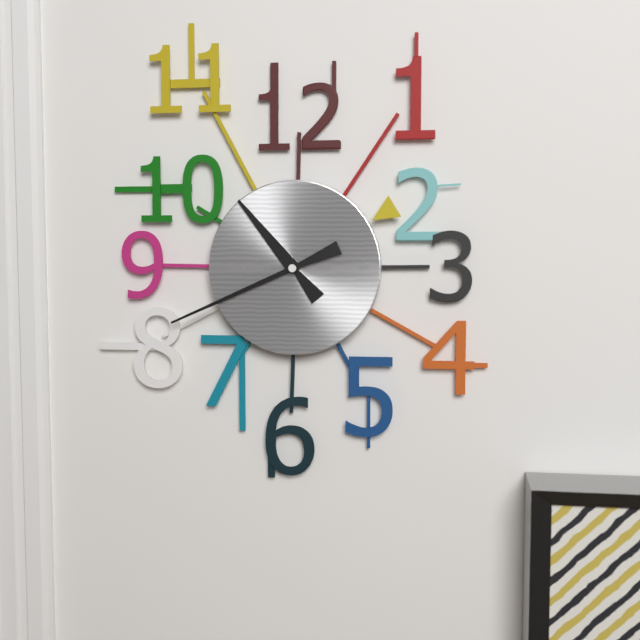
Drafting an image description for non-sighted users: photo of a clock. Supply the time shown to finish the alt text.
10:41
